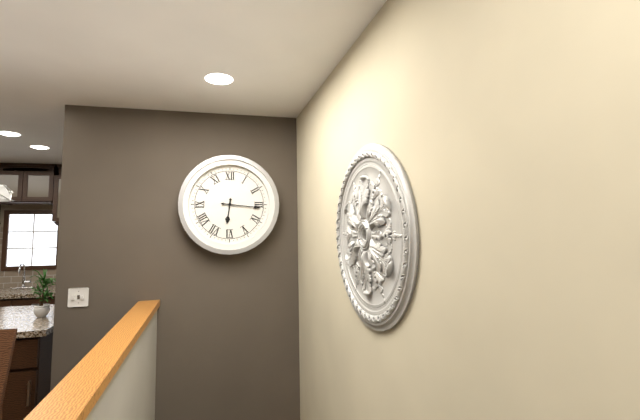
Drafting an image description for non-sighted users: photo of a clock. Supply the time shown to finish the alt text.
6:16
